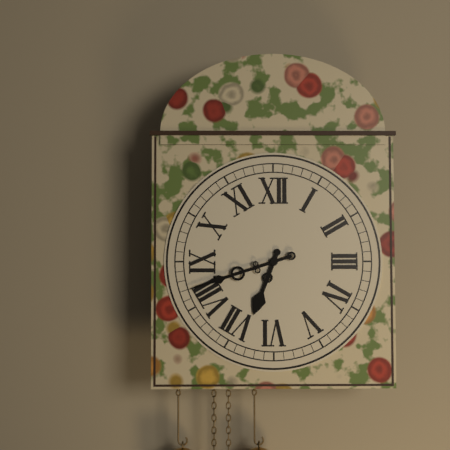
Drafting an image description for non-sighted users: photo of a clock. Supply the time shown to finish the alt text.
6:42
